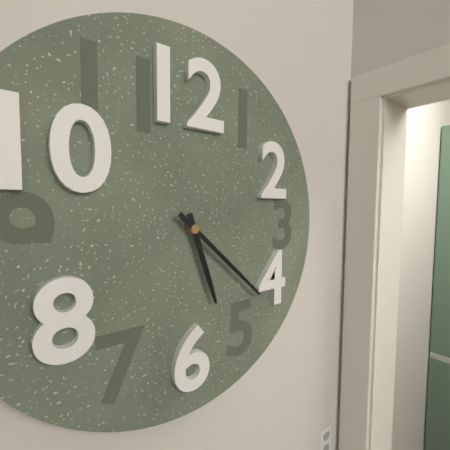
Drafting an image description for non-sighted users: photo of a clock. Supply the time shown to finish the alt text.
5:22
